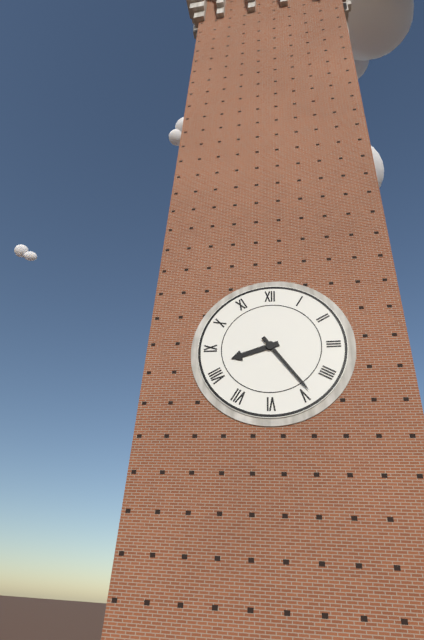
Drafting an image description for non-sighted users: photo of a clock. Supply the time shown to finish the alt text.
8:24
